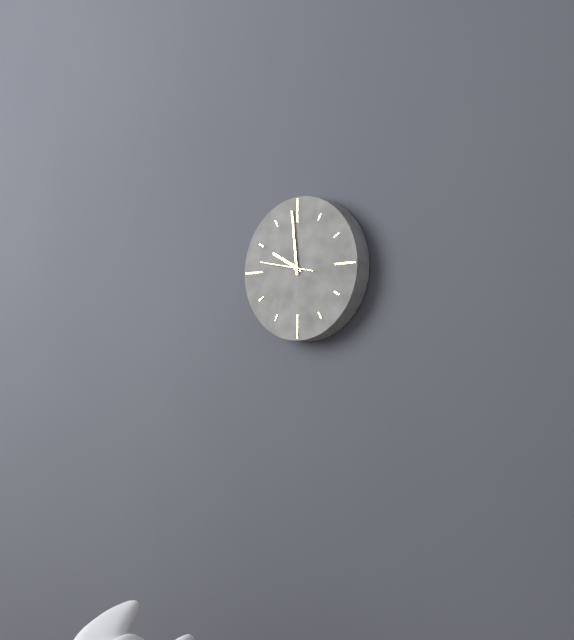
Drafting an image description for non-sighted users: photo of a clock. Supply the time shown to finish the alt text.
9:59
